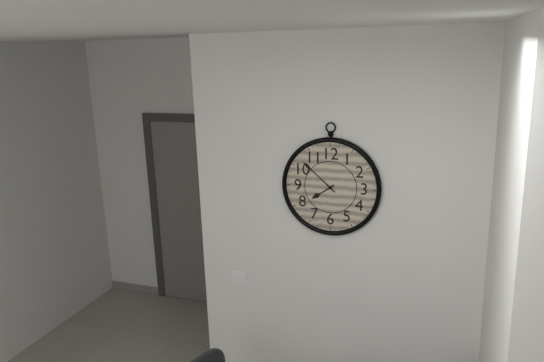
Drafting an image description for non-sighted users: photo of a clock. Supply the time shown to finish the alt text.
7:52
